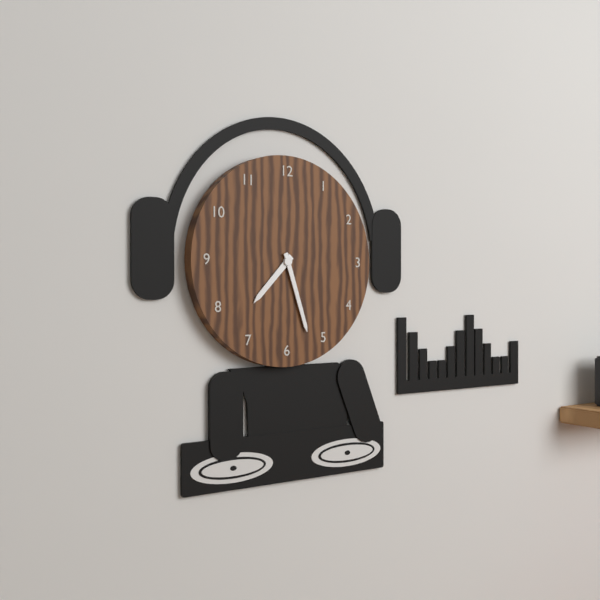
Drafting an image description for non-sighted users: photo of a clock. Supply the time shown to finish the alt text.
7:27
